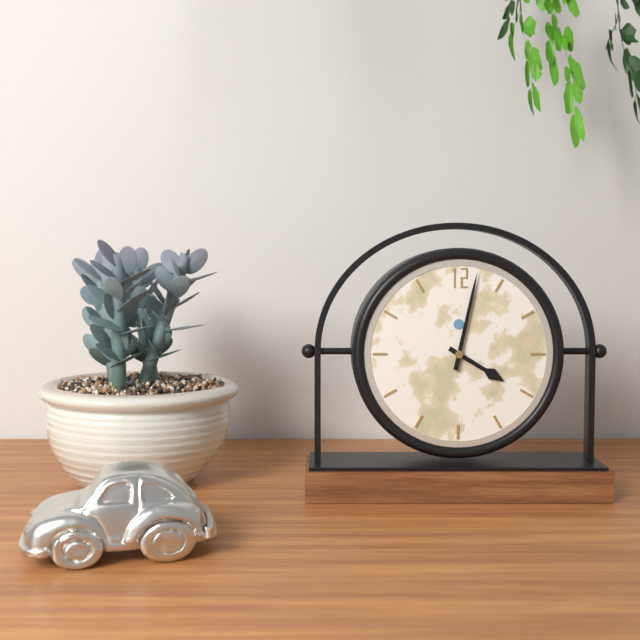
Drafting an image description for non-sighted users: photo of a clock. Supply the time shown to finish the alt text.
4:02
